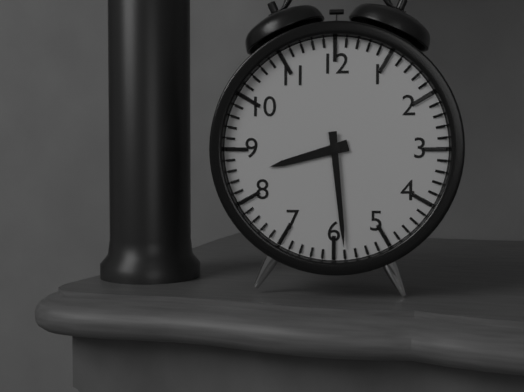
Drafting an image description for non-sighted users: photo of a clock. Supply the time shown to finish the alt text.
8:29
